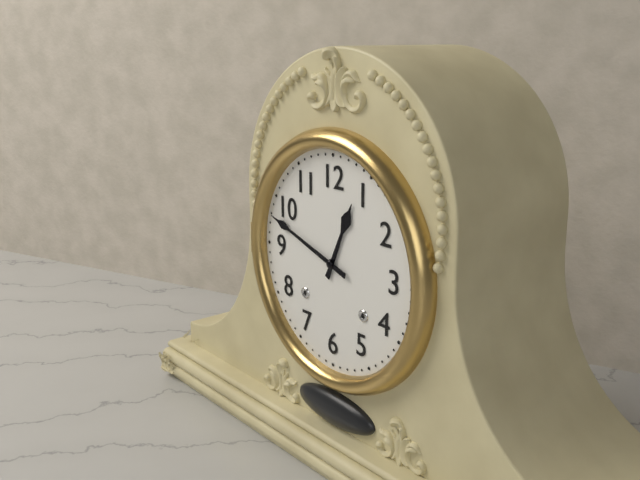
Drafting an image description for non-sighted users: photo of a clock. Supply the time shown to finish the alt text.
12:48
